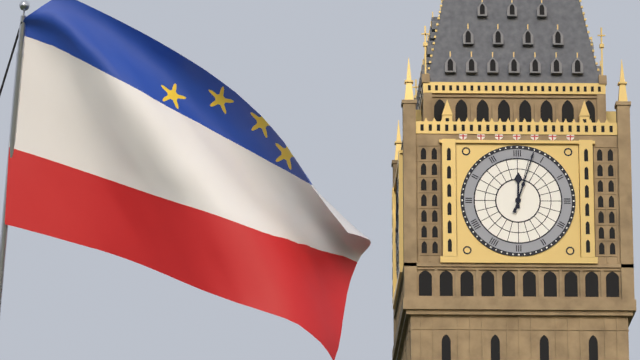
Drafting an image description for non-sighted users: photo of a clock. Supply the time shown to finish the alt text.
12:03
